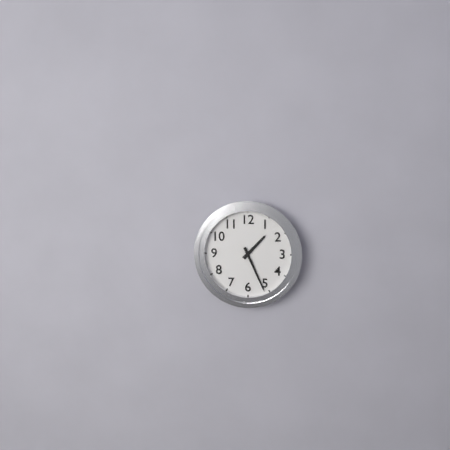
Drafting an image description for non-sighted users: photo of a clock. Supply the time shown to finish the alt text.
1:26
